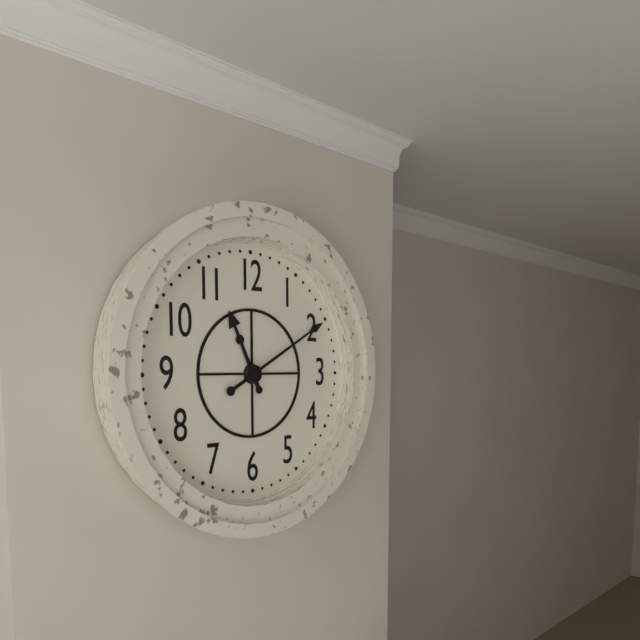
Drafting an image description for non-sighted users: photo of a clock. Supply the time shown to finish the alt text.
11:10
